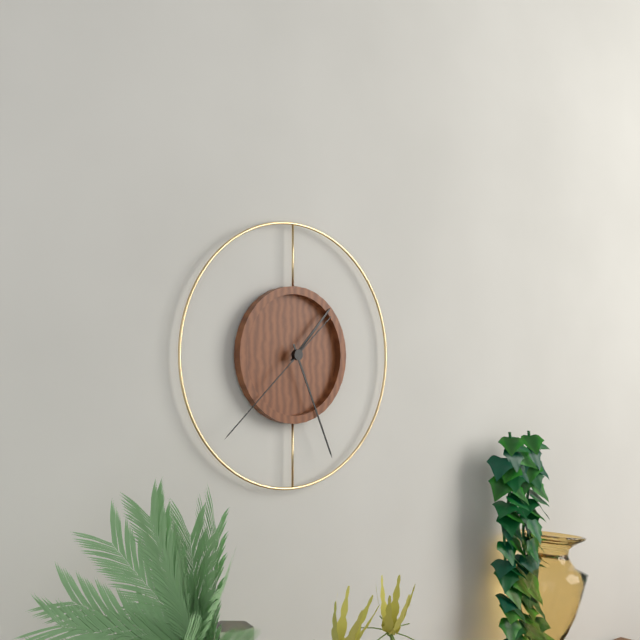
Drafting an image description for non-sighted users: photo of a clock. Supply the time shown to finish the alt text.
1:26:38
